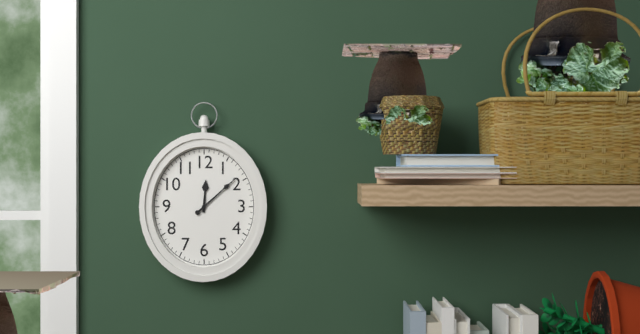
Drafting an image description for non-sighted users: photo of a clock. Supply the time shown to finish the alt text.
12:08
